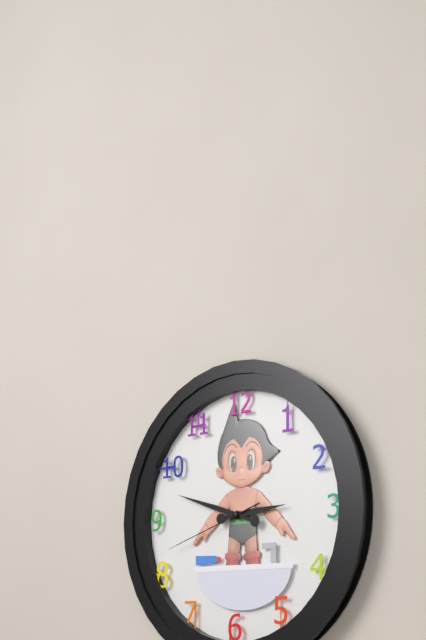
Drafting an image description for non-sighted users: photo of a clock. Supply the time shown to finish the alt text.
2:48:42
